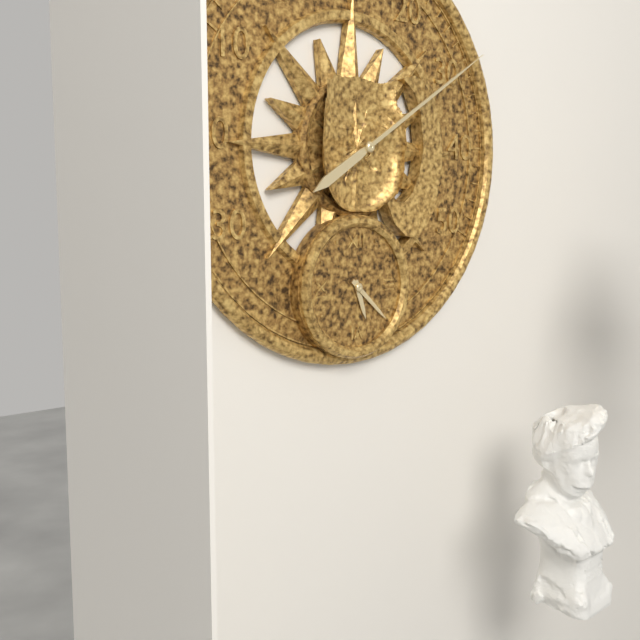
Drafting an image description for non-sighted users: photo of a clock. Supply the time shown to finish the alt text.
5:22
